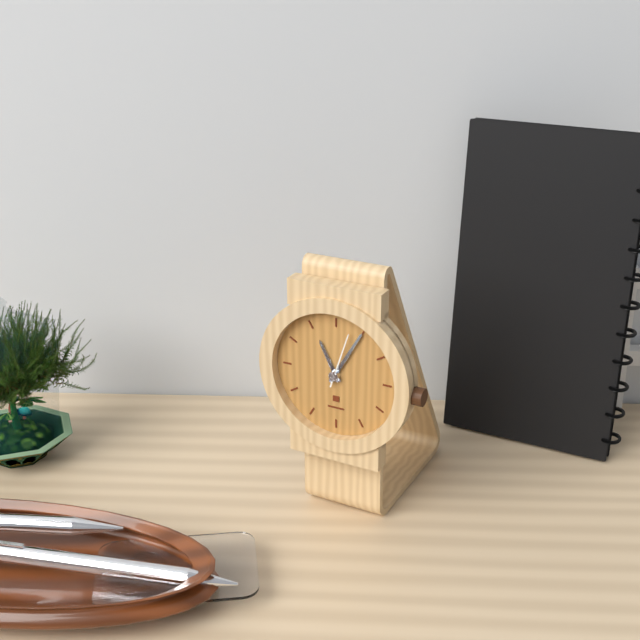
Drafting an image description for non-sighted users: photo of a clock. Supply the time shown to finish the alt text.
11:05:03
